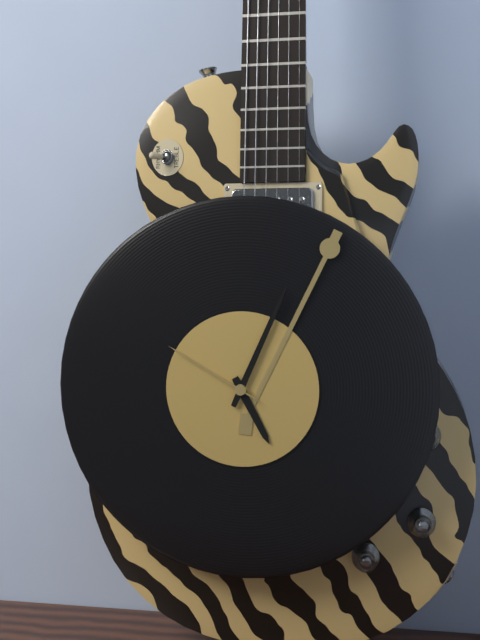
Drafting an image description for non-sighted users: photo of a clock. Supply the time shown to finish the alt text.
5:04:50
